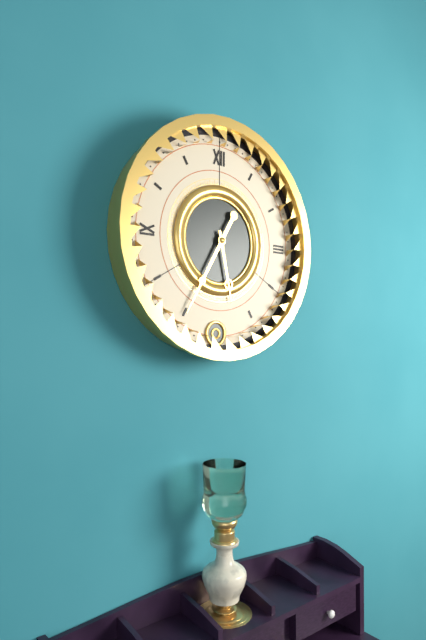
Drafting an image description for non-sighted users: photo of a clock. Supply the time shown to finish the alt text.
5:35
